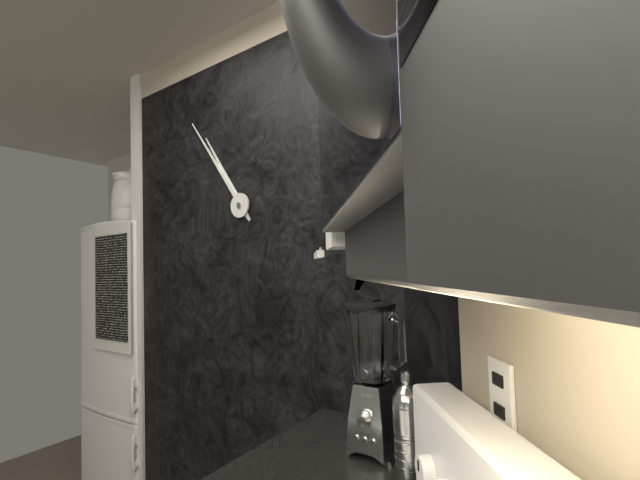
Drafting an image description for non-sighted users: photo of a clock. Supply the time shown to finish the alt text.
10:54
